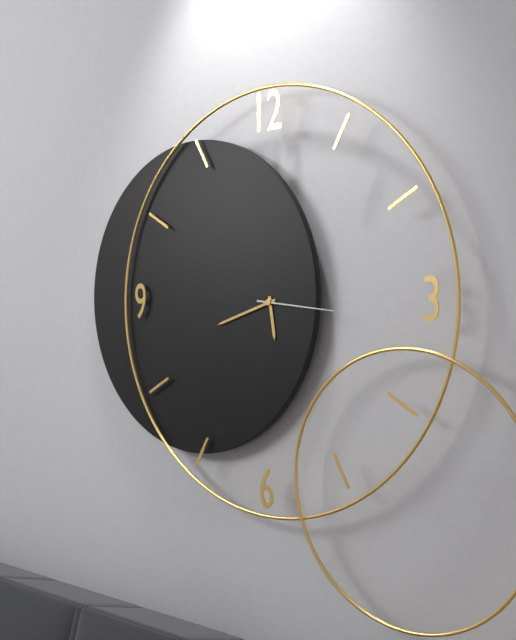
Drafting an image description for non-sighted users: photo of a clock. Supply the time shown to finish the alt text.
5:42:16
